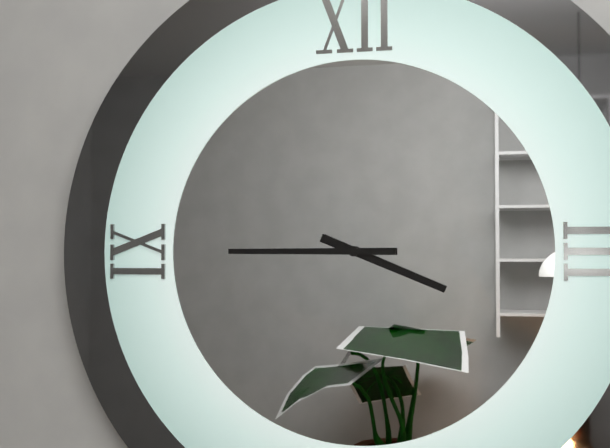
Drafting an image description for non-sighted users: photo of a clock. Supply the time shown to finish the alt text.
3:45
